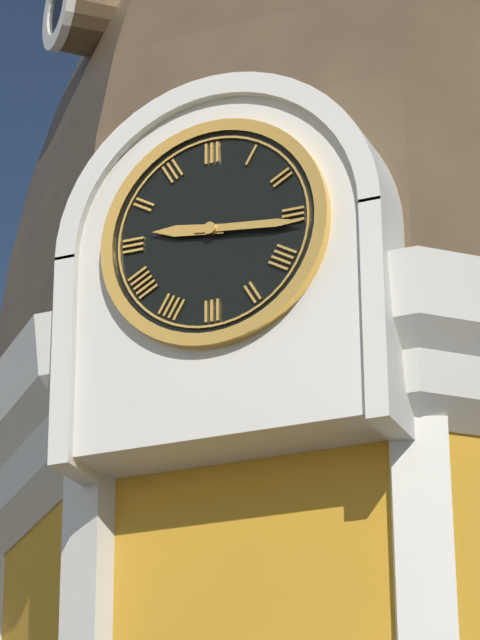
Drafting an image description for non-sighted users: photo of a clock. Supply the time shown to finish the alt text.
9:16
